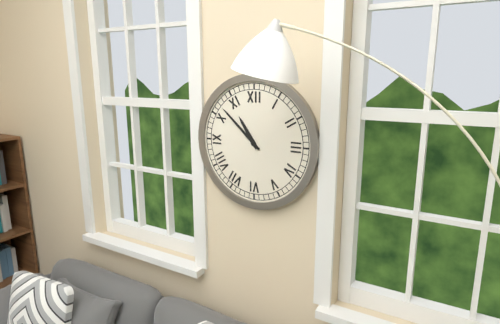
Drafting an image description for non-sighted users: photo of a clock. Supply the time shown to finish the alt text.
10:52
